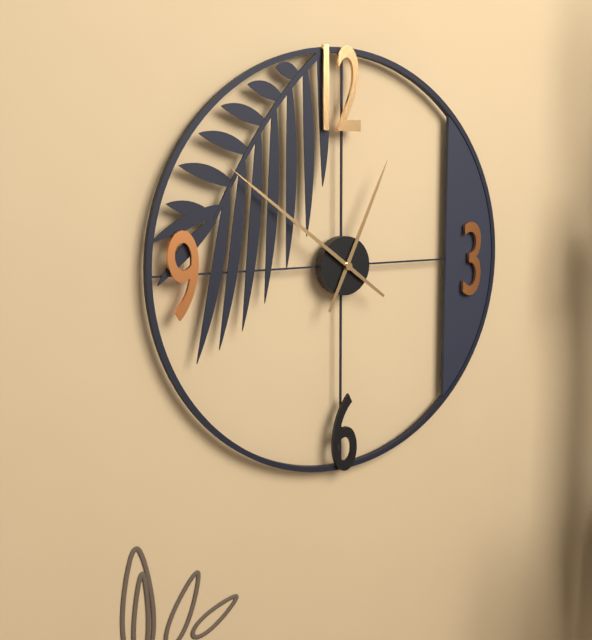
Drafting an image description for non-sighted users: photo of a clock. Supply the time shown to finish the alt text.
12:51
